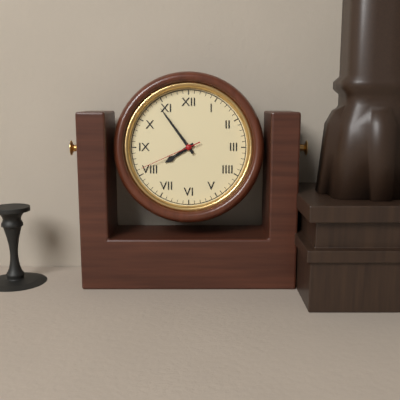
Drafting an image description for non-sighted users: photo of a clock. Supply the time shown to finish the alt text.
7:54:41
